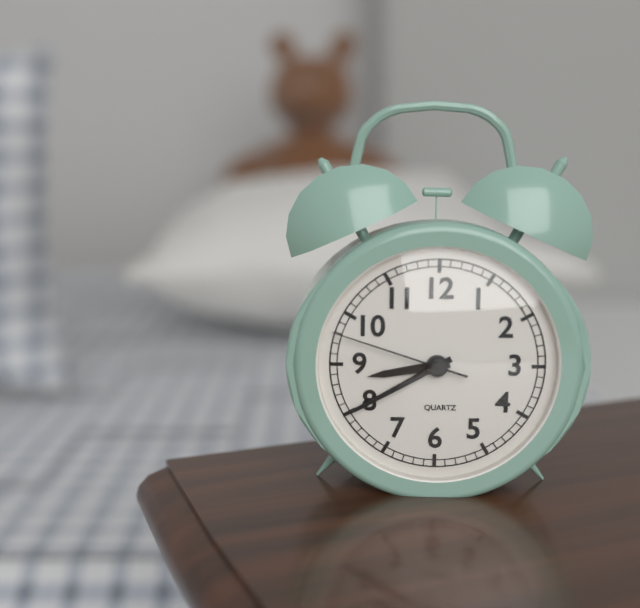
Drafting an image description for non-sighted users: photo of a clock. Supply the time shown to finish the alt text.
8:40:48
